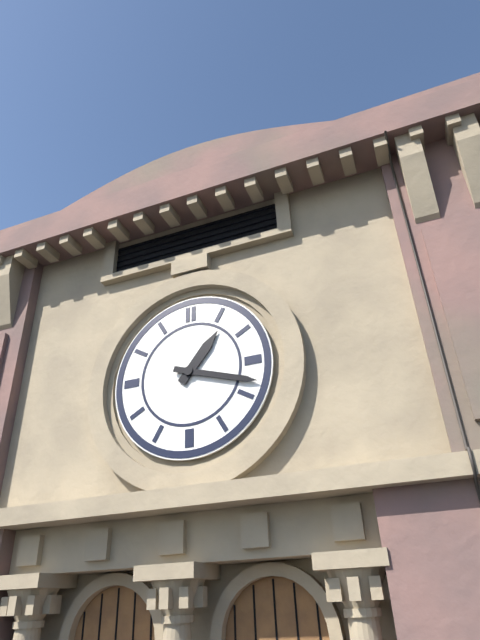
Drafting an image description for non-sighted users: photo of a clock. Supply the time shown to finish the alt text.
1:18
